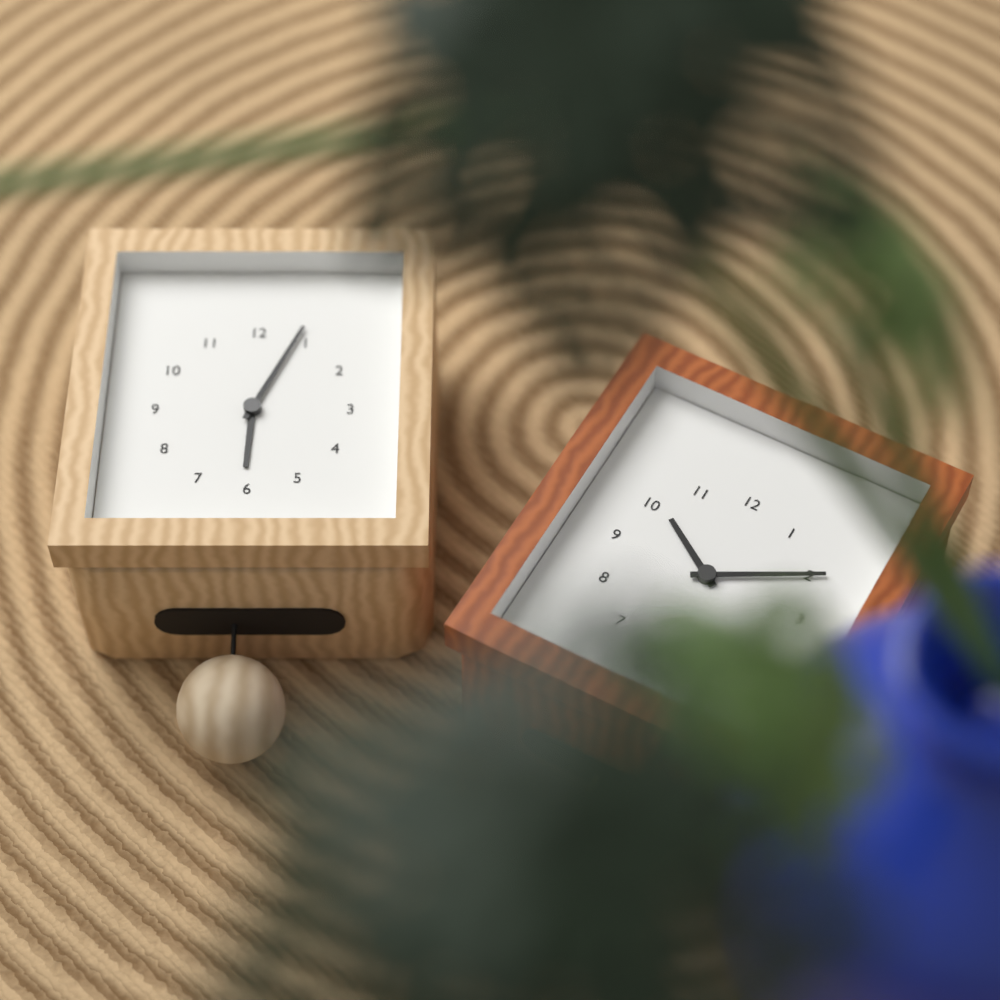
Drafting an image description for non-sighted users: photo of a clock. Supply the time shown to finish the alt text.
6:04
